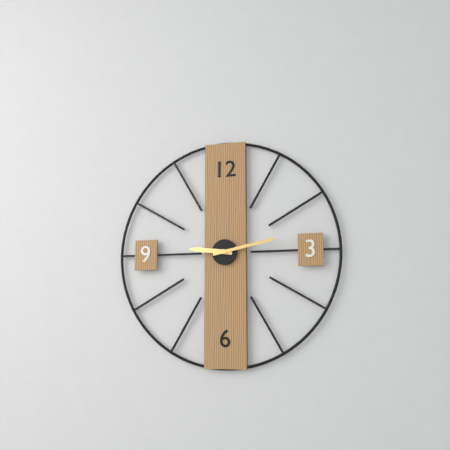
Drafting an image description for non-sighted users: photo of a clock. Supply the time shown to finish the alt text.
9:13
